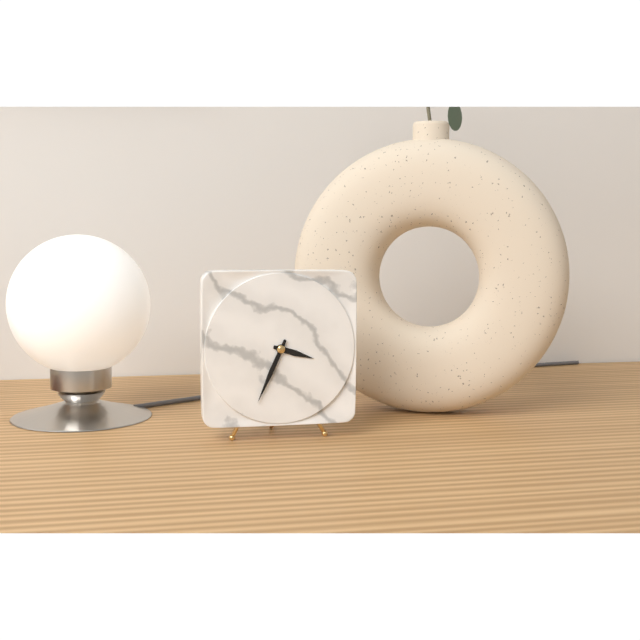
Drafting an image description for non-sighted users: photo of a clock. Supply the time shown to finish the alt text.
3:34
